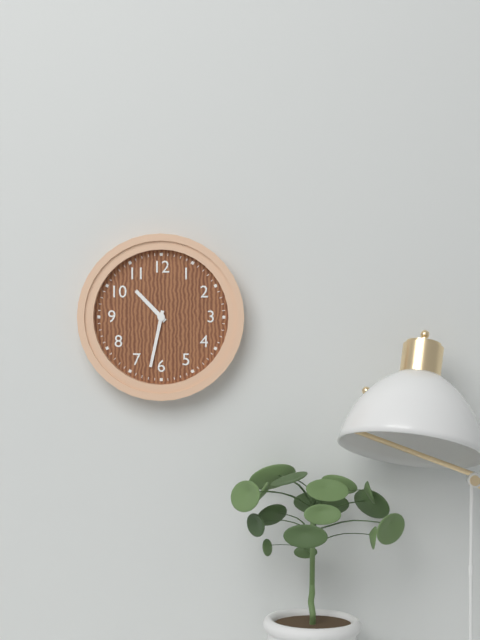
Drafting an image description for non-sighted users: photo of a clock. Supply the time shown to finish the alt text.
10:32
